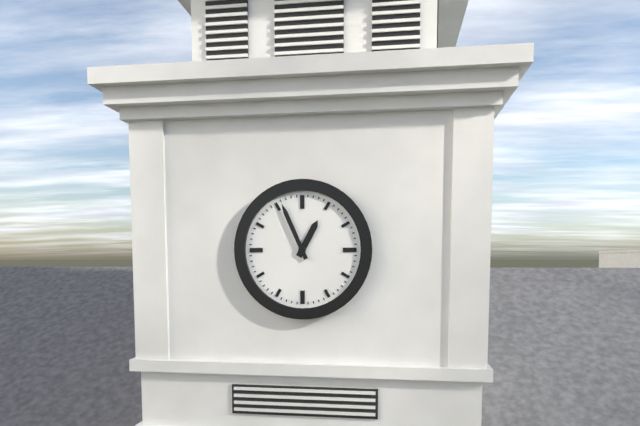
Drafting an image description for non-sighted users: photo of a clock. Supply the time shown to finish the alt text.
12:56
